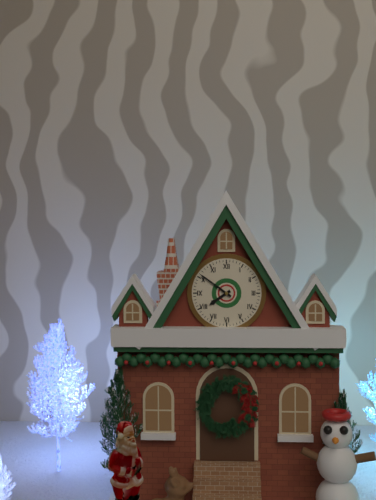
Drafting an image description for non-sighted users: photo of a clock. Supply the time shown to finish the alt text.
7:51
